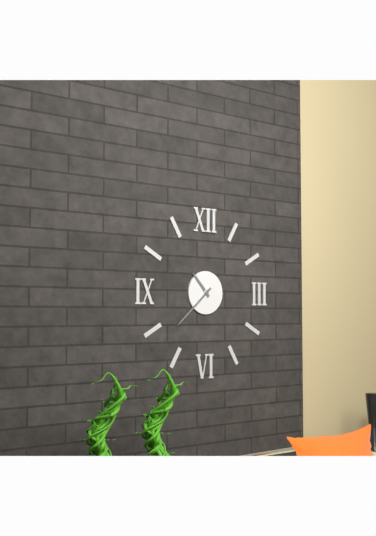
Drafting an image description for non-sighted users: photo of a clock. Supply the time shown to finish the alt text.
10:38
